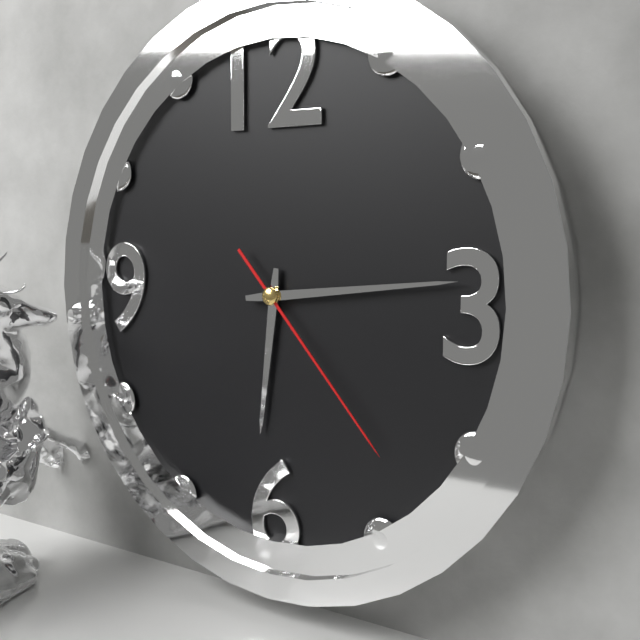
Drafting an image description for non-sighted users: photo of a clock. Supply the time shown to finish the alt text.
6:14:23
